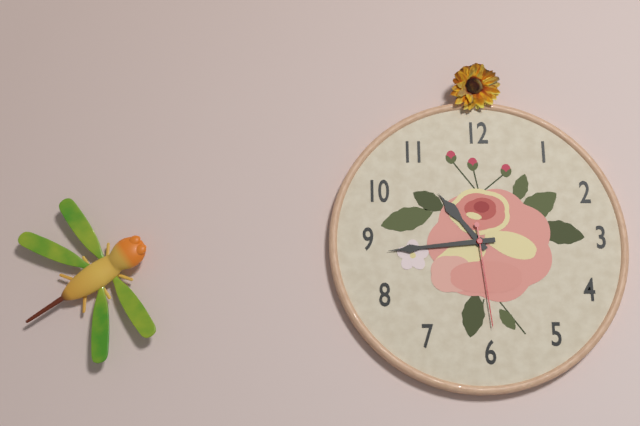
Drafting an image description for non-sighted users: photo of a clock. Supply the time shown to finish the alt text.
10:44:29
